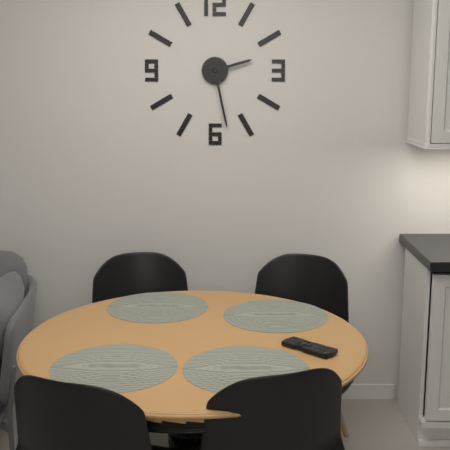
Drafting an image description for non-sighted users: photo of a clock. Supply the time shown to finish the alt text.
2:28
